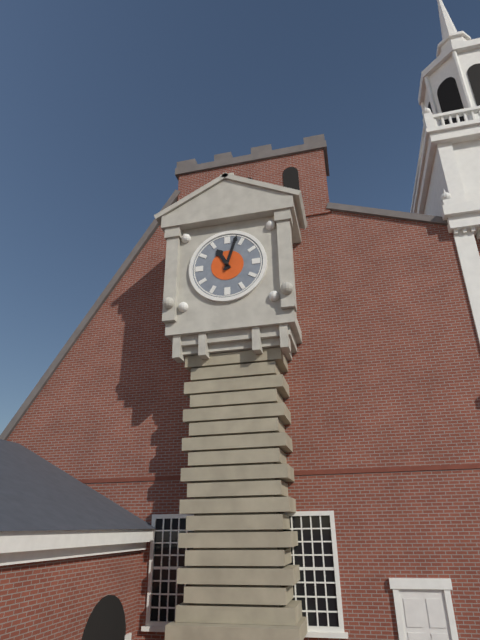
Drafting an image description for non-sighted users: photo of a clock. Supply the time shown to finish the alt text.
11:03
